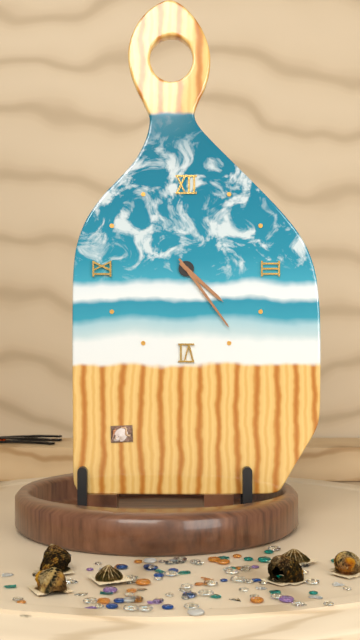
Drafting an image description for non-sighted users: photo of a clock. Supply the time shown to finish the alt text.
4:24
